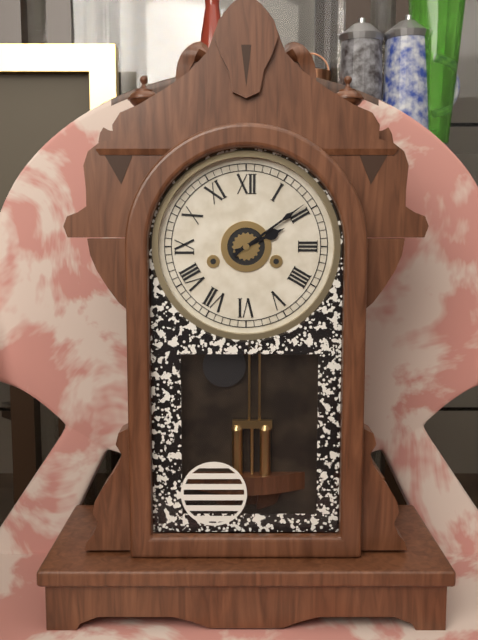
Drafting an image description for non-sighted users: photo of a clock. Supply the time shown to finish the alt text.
2:09
